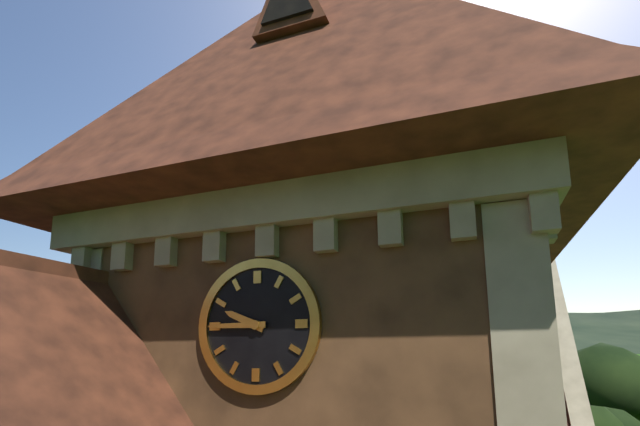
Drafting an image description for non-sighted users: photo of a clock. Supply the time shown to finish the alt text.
9:45
